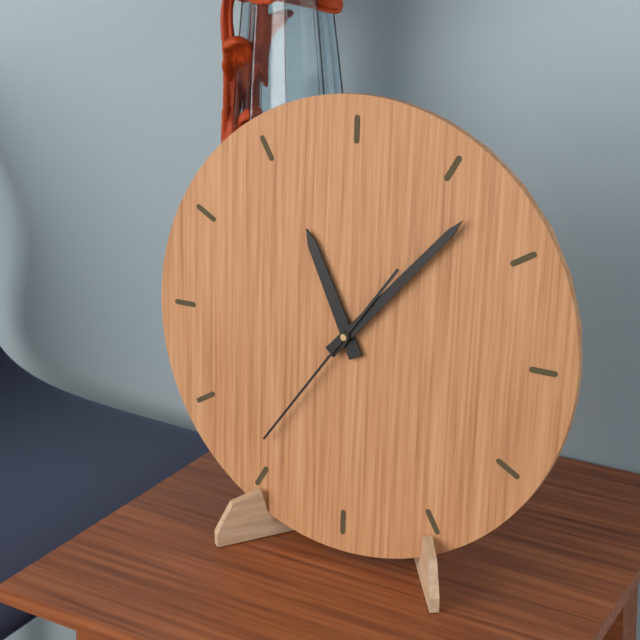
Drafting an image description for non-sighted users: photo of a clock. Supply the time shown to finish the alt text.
11:07:36
